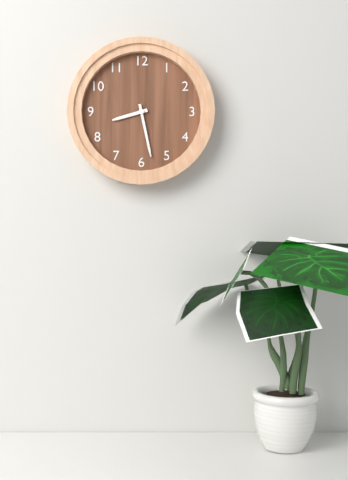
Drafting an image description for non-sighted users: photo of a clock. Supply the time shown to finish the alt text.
8:28
